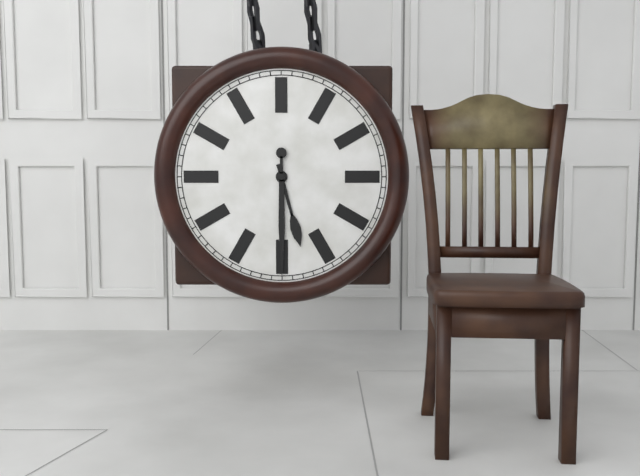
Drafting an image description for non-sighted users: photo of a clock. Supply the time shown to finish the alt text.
5:30
